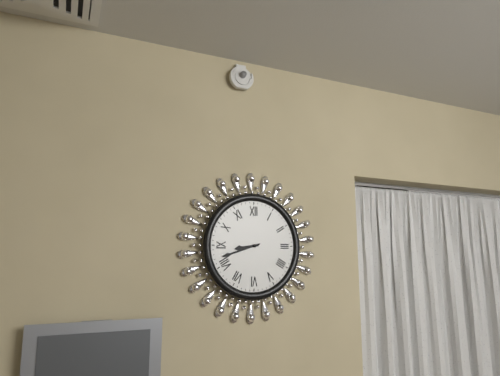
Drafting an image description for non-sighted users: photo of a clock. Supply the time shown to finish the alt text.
8:42
